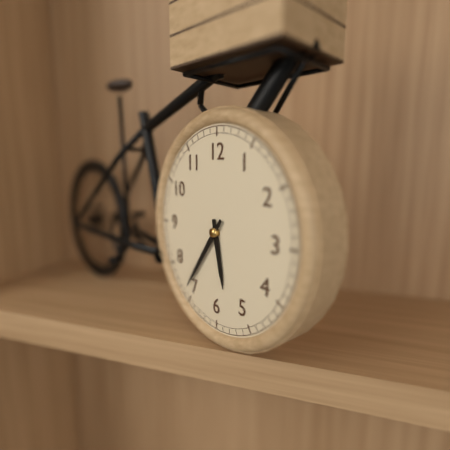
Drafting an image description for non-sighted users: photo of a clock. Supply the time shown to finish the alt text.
5:36
